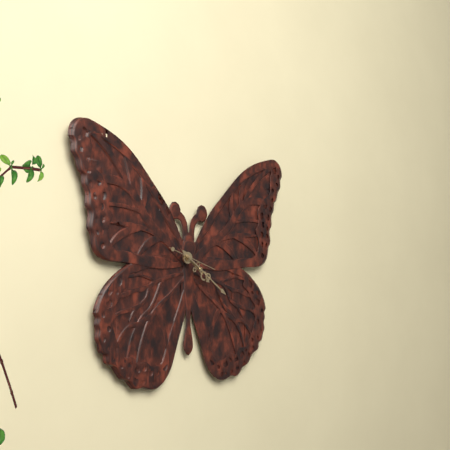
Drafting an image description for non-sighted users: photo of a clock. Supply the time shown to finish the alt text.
4:21
